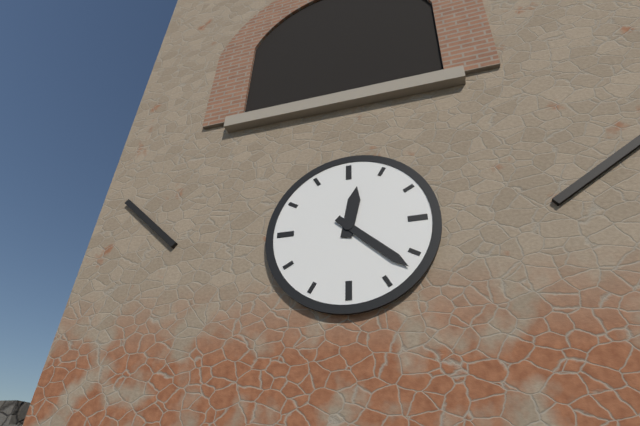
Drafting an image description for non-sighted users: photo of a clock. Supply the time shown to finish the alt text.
12:22
